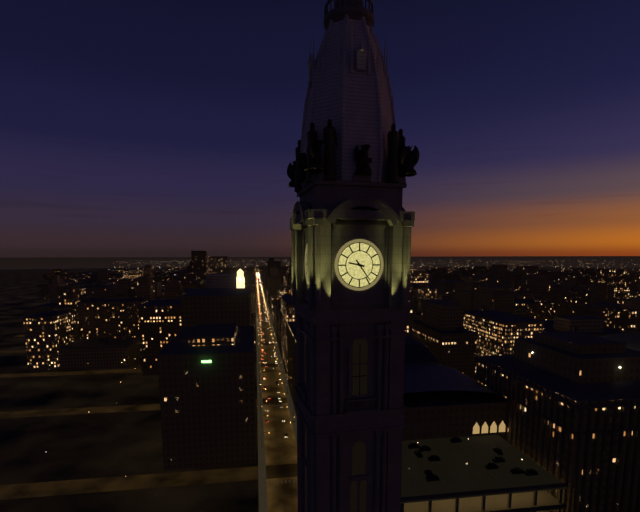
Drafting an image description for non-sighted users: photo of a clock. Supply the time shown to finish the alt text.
9:24
